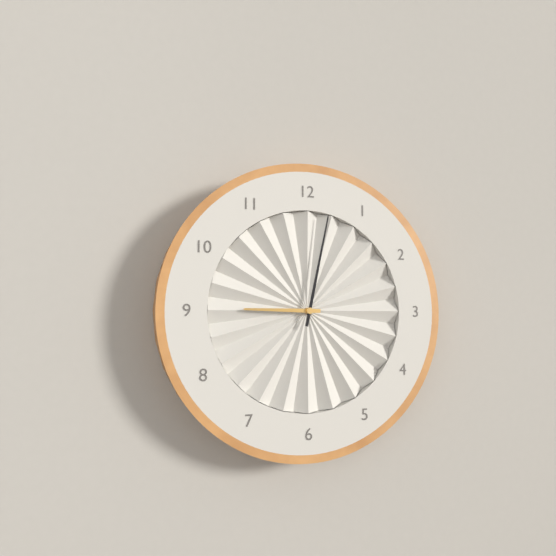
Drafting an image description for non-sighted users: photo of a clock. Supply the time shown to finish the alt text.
9:02
